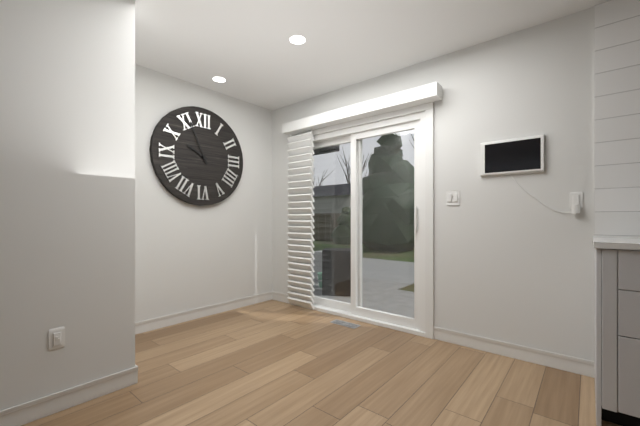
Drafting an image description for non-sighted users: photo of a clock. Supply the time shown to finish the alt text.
9:56
